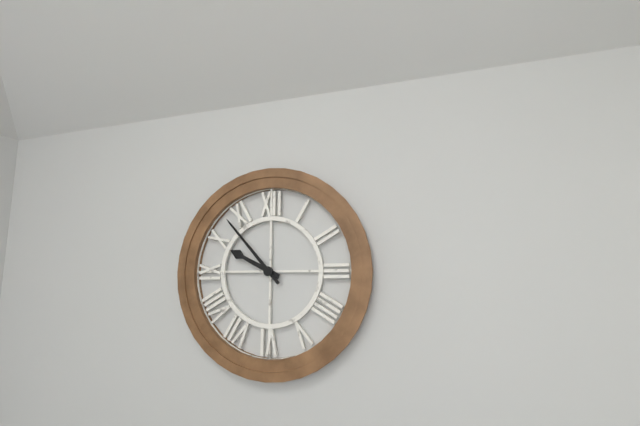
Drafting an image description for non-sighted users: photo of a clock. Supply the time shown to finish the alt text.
9:53
